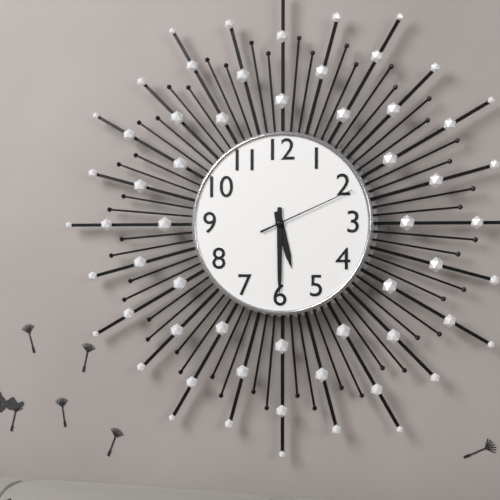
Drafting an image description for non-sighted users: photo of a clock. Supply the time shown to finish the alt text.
5:30:11
